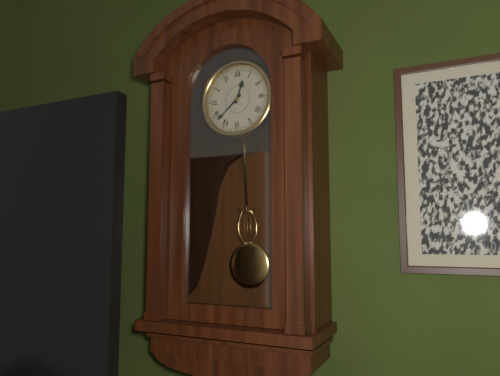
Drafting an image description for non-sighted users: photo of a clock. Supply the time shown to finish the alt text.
12:38
